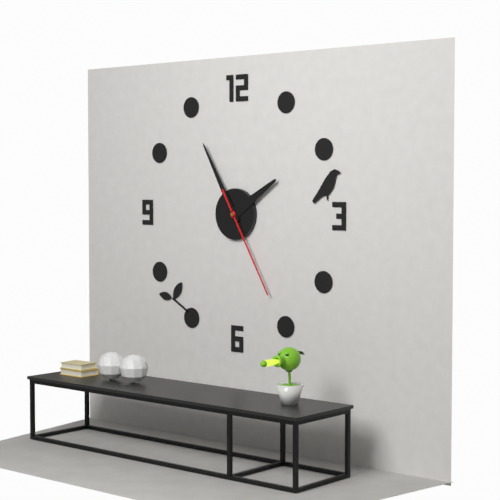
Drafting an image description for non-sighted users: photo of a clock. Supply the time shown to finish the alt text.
1:55:25
